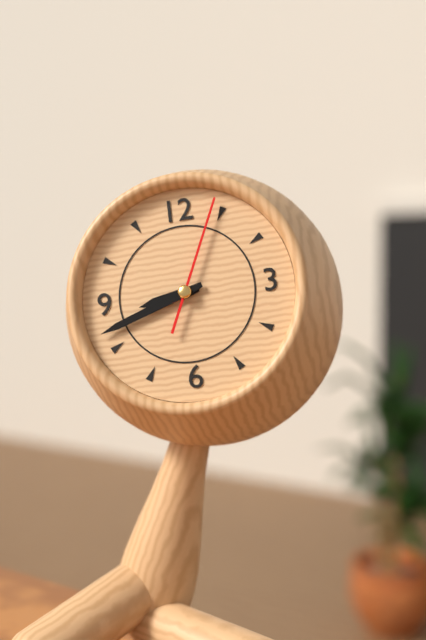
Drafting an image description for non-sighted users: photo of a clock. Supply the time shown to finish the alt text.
8:42:04
